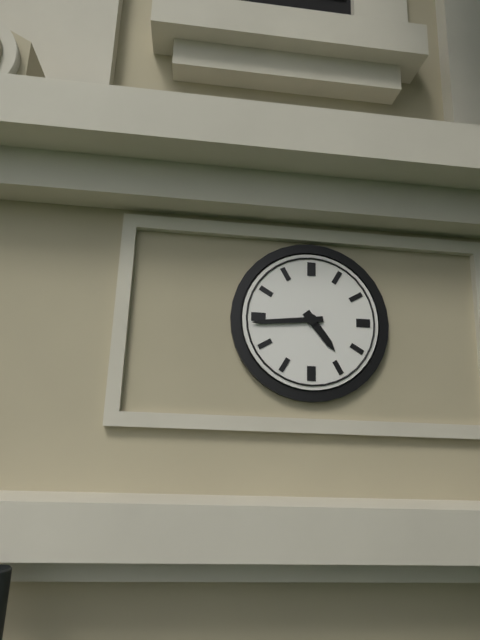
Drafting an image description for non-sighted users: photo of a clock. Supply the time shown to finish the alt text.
4:44
